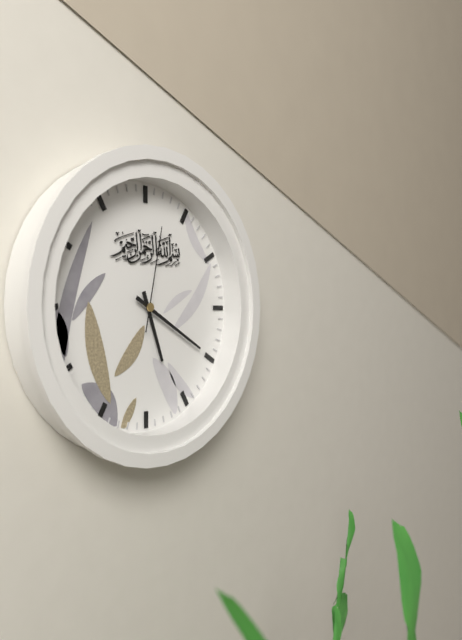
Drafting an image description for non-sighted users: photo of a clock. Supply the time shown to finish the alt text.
5:20:02
